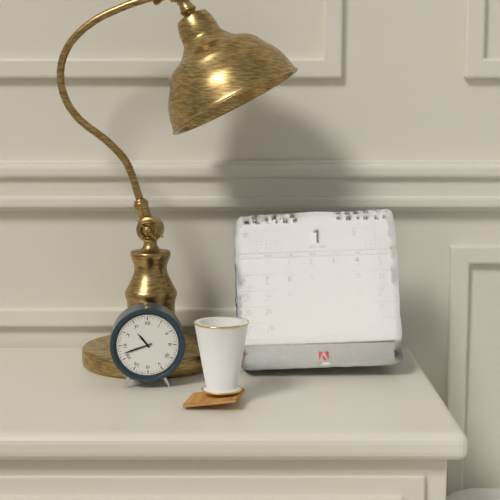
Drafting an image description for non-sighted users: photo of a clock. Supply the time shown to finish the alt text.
10:42
